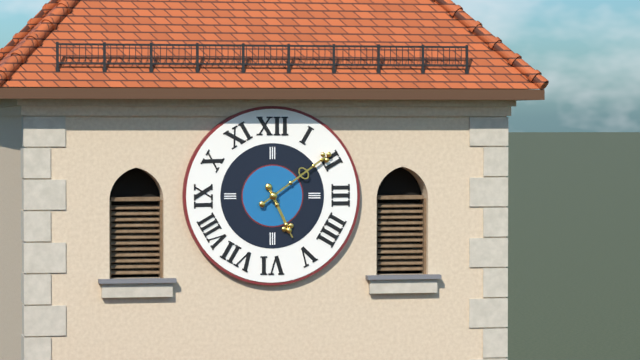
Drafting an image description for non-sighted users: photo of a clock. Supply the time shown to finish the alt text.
5:09
